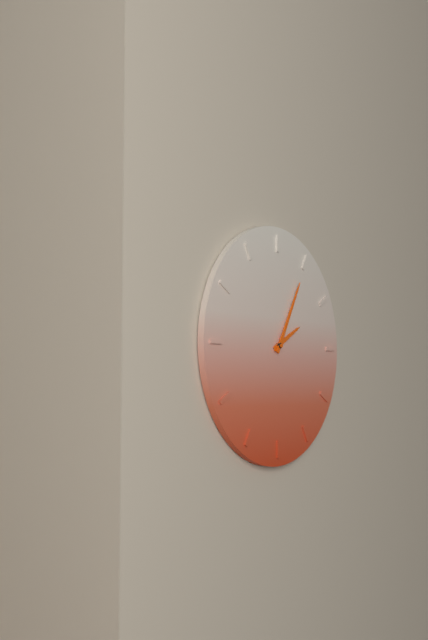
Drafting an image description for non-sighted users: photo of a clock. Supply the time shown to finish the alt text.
2:05
